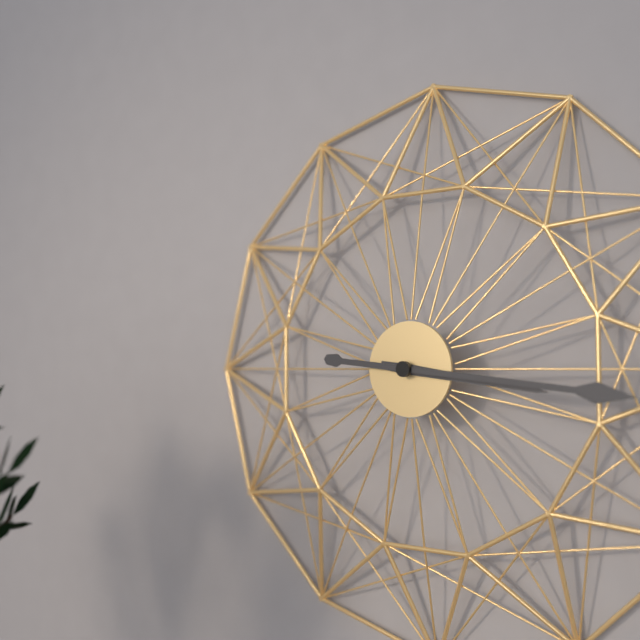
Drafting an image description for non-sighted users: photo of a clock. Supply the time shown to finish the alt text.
3:16
